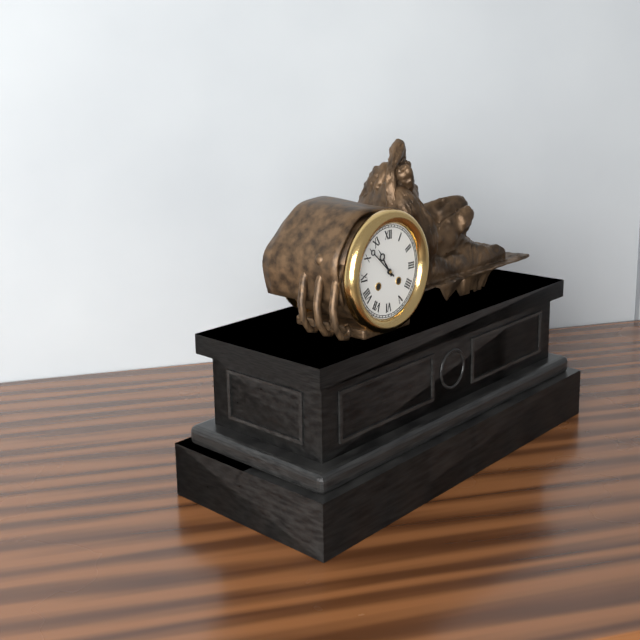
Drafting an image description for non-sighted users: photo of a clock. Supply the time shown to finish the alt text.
10:52
